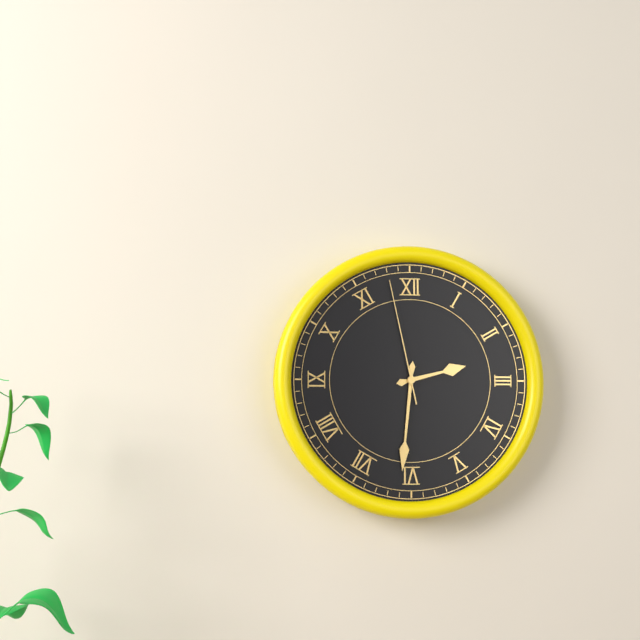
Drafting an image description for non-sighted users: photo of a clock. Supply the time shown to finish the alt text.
2:31:58
